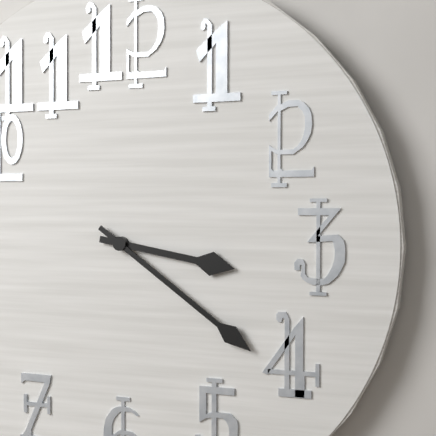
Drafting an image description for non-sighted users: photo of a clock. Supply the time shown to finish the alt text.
3:21
